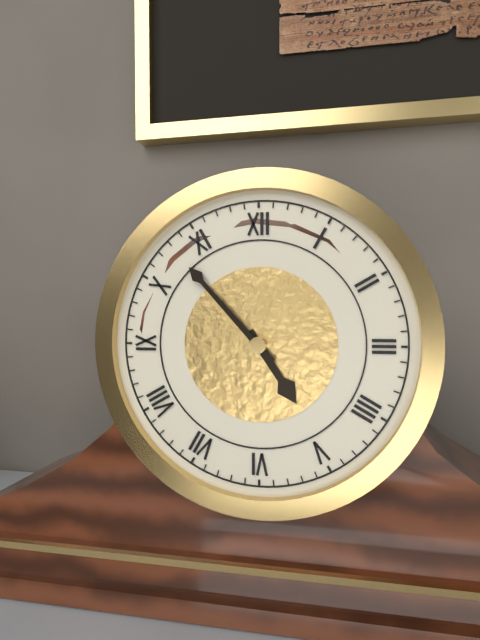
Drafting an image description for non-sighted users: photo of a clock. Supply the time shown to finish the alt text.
4:53
